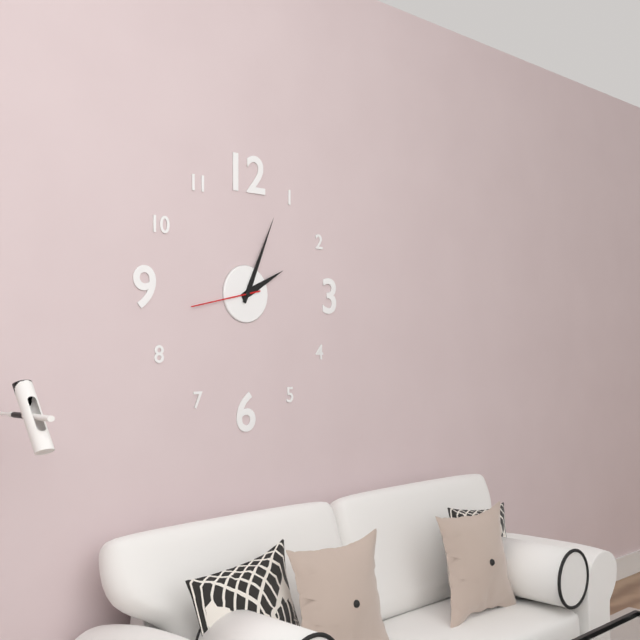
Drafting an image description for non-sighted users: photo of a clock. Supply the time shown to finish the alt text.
2:04:43
